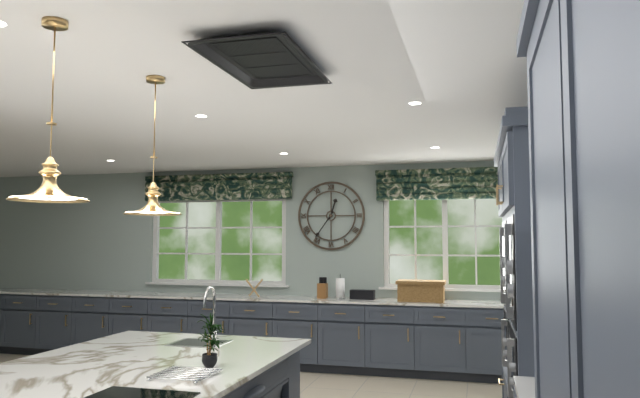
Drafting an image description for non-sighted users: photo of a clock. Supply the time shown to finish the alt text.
12:36
